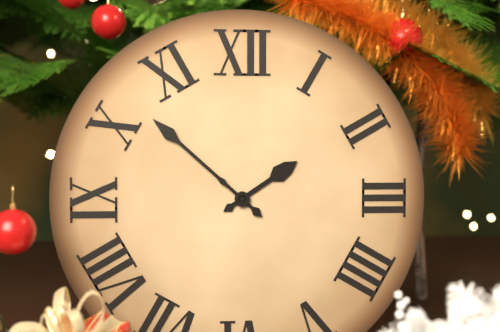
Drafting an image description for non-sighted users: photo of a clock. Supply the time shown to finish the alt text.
1:52
